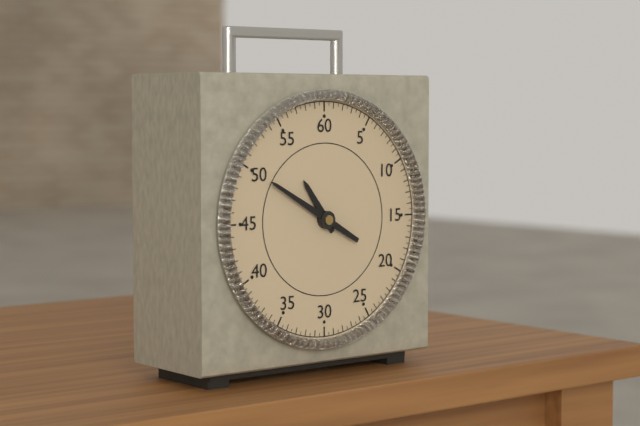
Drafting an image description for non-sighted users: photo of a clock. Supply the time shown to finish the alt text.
10:50
